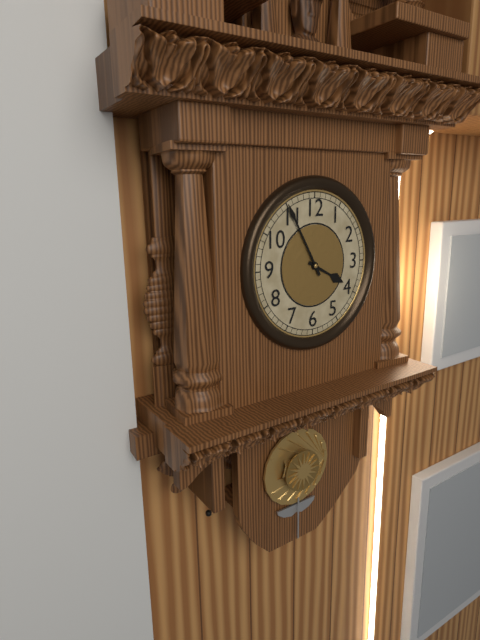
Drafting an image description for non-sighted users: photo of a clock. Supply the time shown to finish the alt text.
3:55
